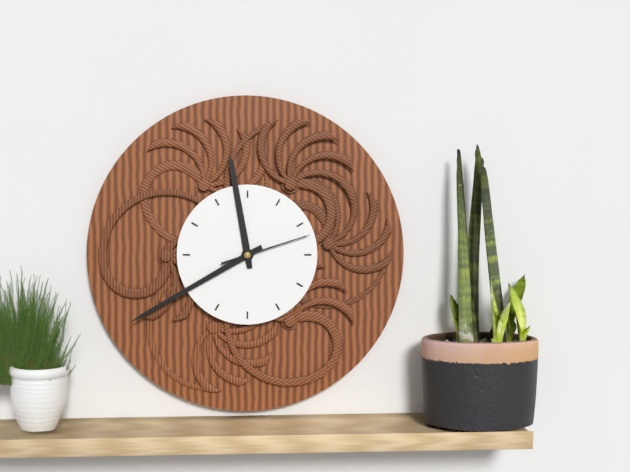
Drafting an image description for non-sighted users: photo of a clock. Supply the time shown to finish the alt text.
11:40:12
